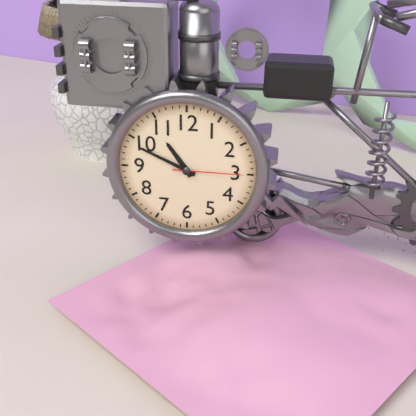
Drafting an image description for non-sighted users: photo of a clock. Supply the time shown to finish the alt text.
10:49:15
